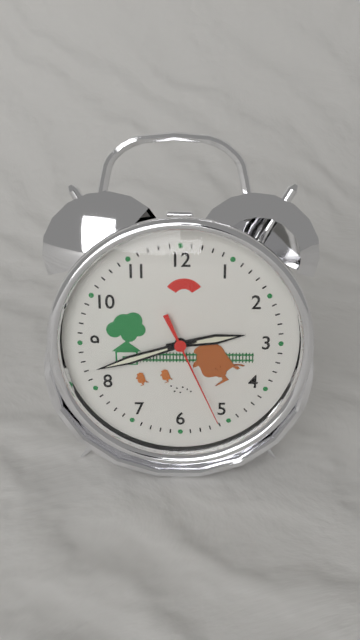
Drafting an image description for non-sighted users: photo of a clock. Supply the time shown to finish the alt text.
2:42:26
